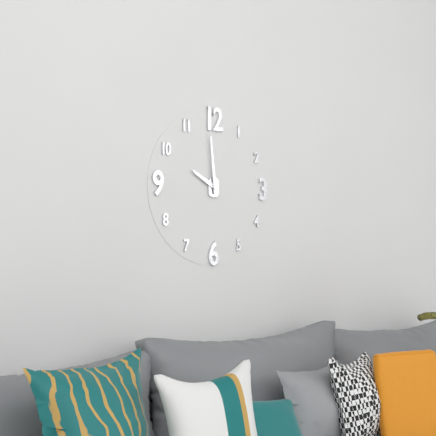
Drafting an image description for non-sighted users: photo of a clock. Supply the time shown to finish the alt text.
9:59
